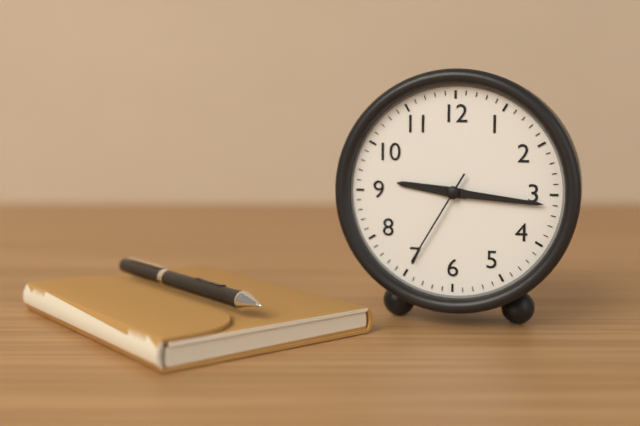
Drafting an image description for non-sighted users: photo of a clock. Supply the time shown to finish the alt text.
9:16:35
